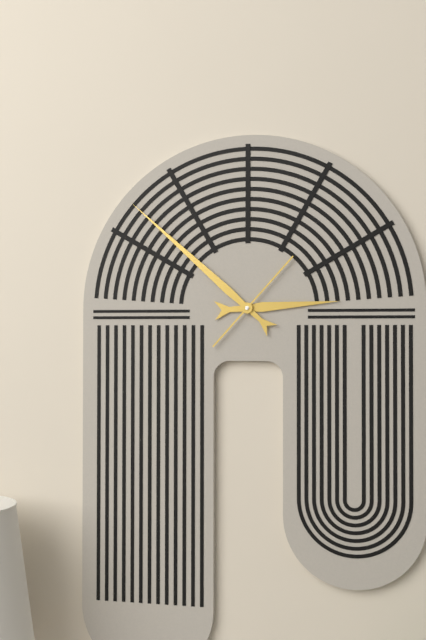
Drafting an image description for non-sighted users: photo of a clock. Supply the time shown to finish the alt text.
2:52:07
